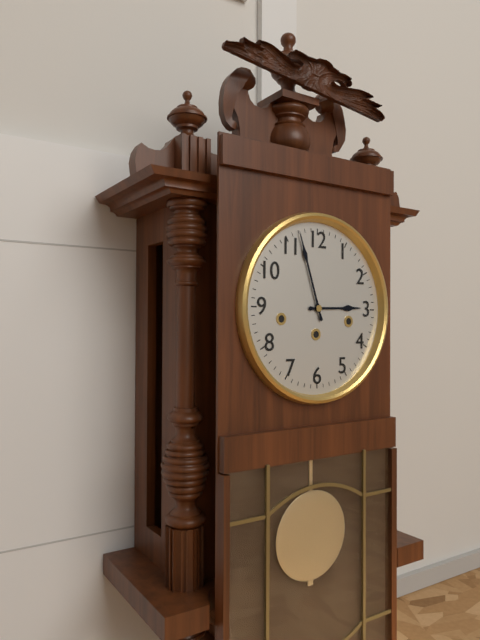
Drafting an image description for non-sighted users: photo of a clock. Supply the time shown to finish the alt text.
2:57
